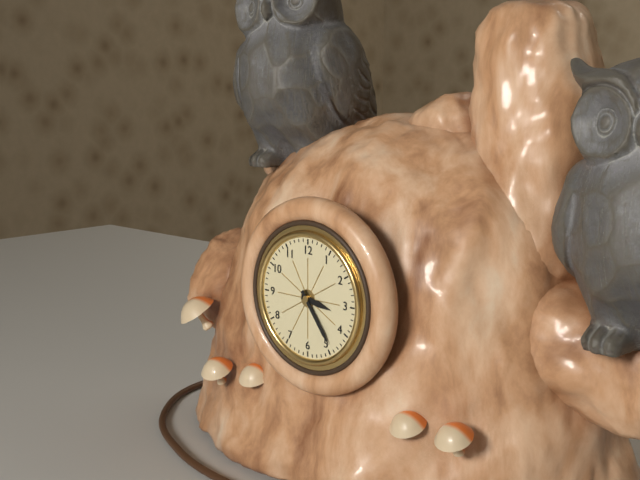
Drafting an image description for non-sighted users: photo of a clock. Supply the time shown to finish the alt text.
3:24
